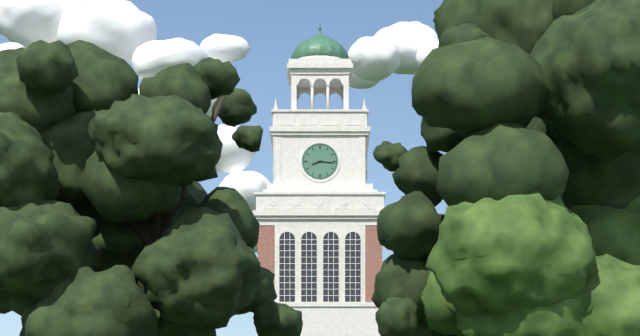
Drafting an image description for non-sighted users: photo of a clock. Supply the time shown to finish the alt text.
8:16
